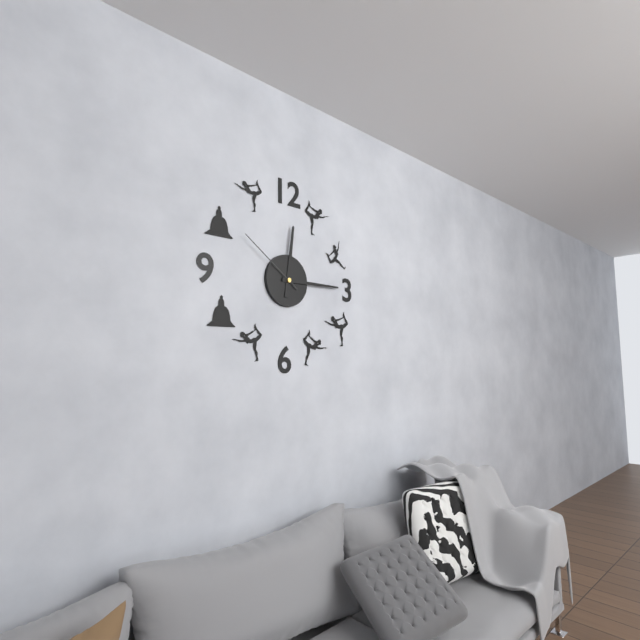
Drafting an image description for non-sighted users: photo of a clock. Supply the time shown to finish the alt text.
12:15:51
